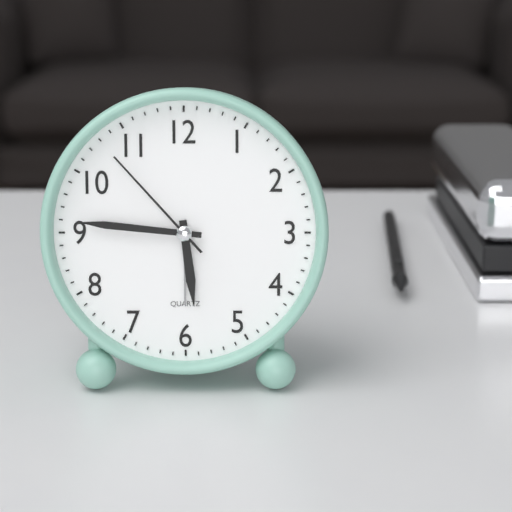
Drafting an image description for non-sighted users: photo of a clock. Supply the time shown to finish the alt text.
5:46:53
